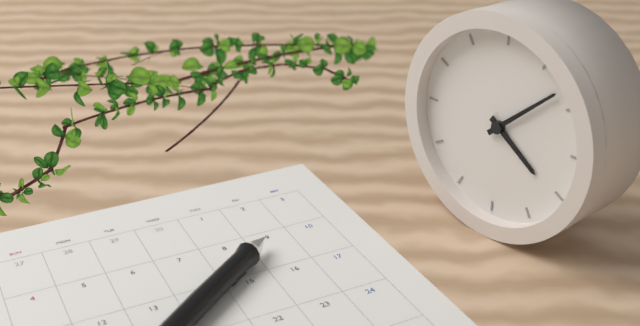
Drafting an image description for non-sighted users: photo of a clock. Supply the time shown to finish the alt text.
4:08
